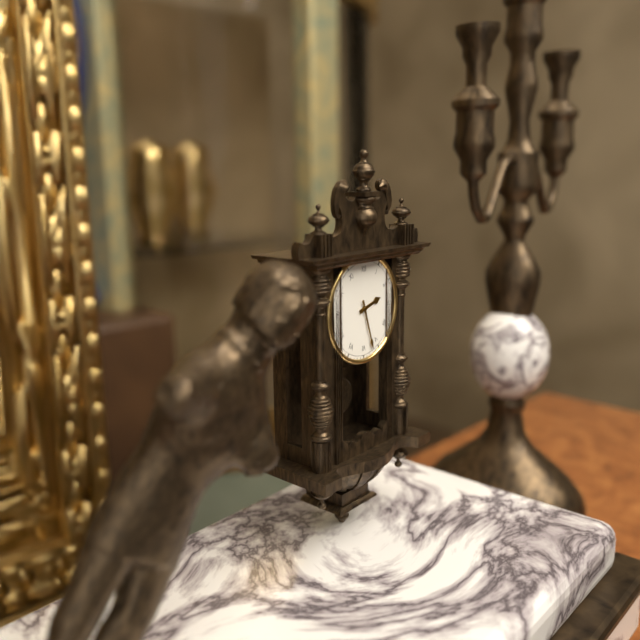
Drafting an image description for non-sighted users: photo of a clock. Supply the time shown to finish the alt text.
2:27
